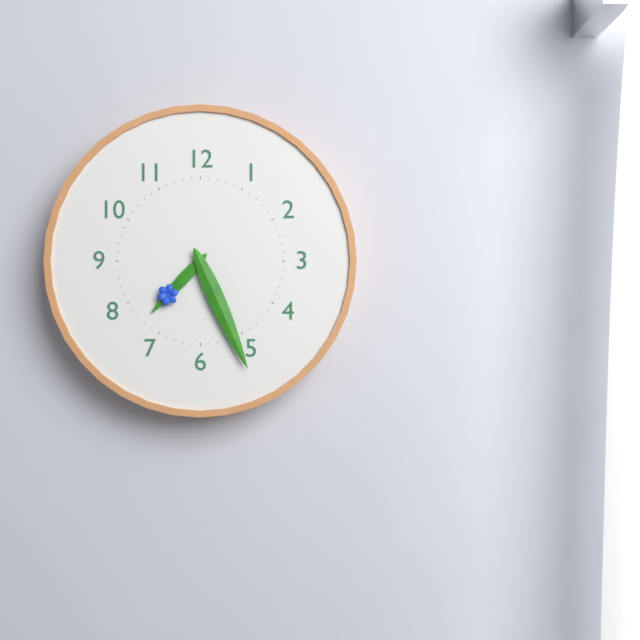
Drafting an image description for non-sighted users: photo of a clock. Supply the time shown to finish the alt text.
7:26
